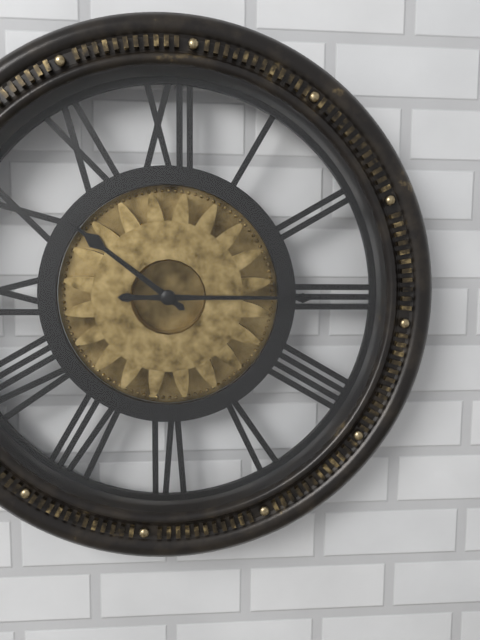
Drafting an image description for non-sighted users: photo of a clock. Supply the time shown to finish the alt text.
10:15
